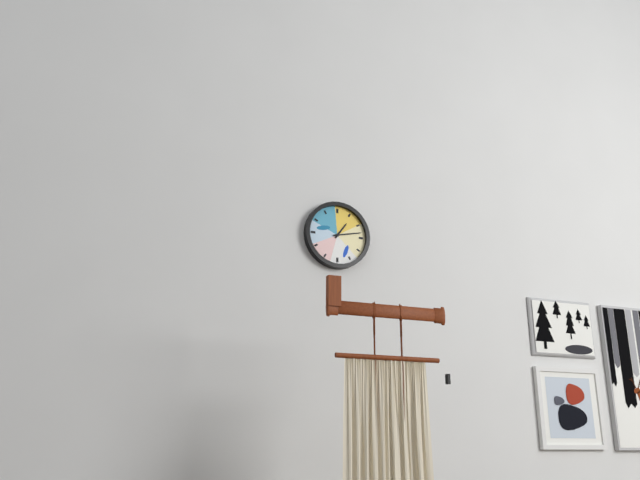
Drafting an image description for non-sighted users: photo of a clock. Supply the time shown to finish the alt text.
1:13
